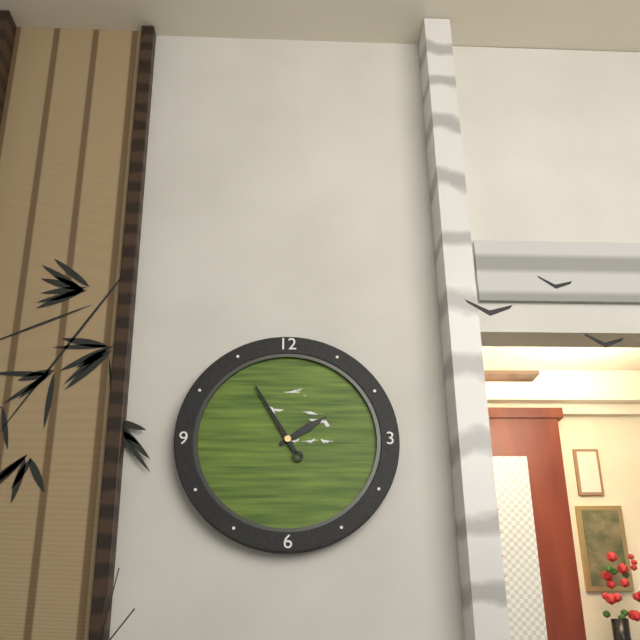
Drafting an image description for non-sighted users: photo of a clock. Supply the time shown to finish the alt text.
1:55
